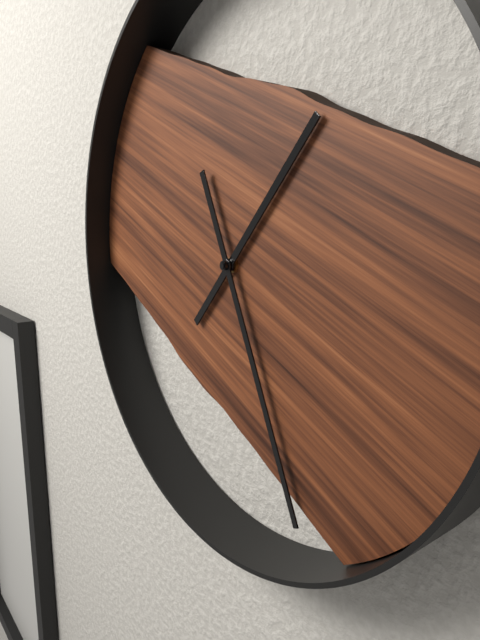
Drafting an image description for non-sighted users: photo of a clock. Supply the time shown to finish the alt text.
1:26
